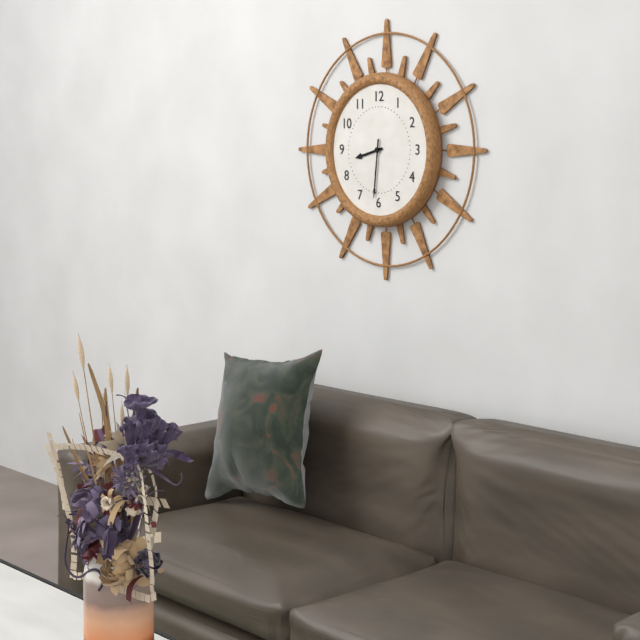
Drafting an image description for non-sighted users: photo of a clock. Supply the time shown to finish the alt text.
8:31
